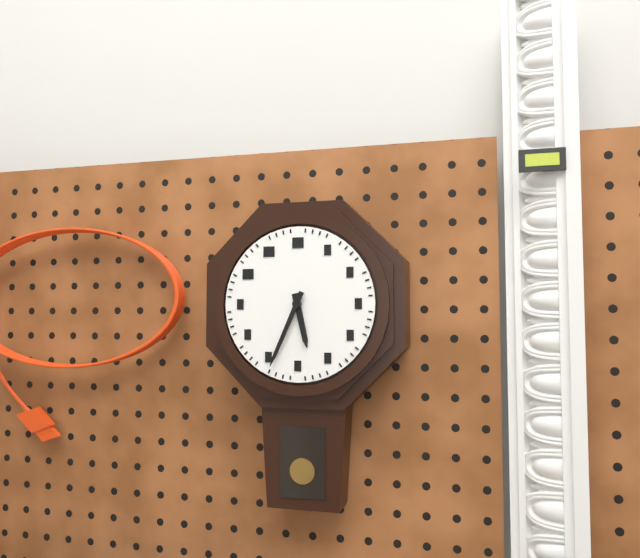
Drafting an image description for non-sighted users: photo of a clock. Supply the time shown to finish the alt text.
5:34
